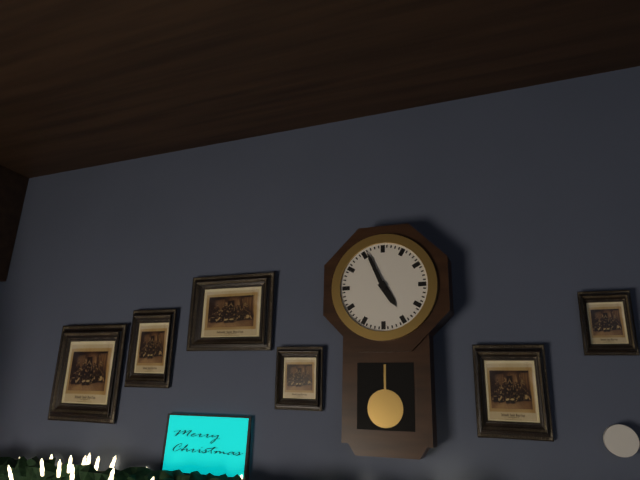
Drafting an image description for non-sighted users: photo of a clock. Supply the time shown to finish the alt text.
4:56
